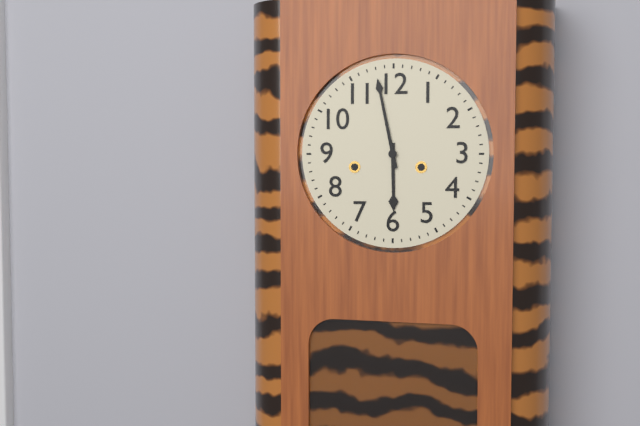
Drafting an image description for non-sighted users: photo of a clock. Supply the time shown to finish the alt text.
5:58
